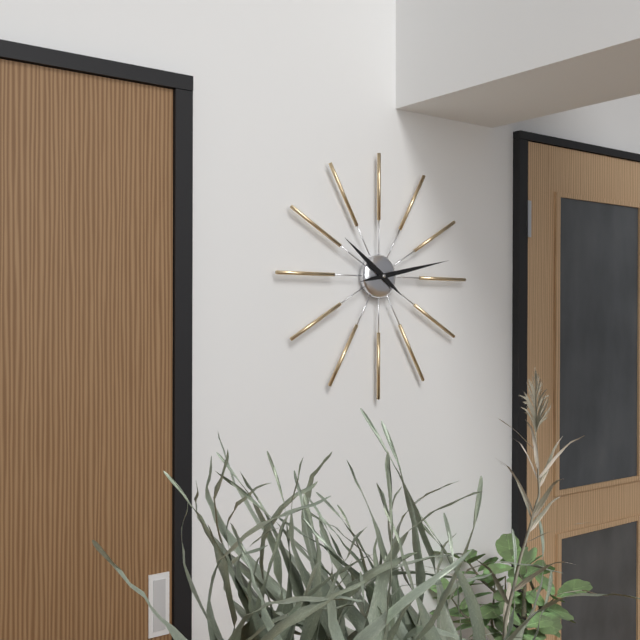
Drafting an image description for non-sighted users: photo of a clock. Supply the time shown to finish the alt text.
10:13
